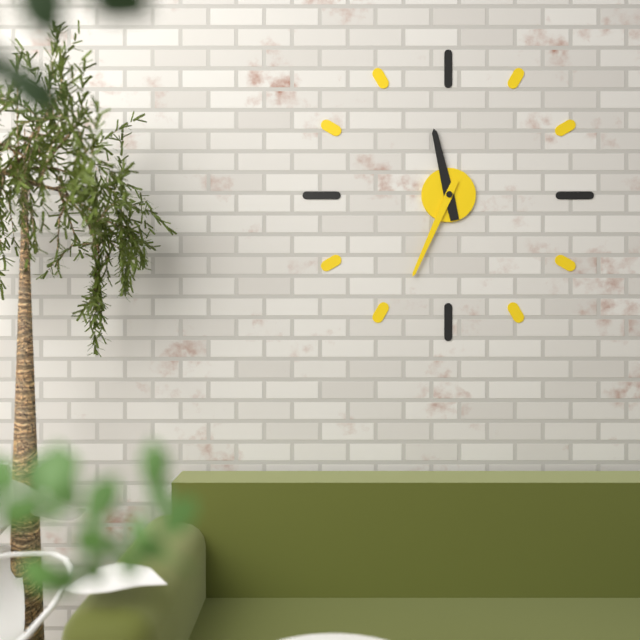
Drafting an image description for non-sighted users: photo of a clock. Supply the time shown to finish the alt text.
11:34
